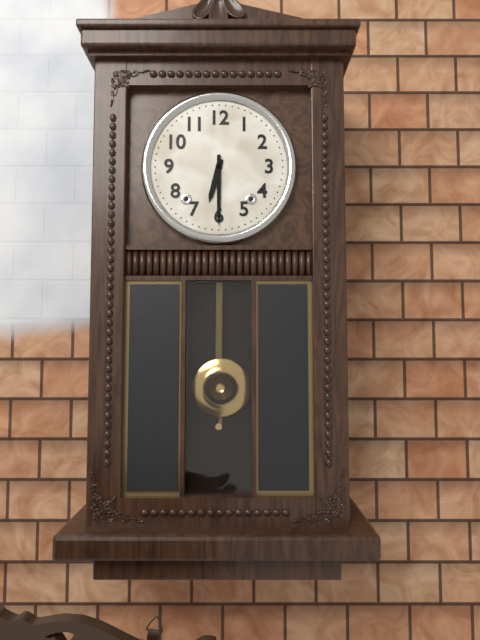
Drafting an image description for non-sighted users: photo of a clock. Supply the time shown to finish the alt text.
6:30
